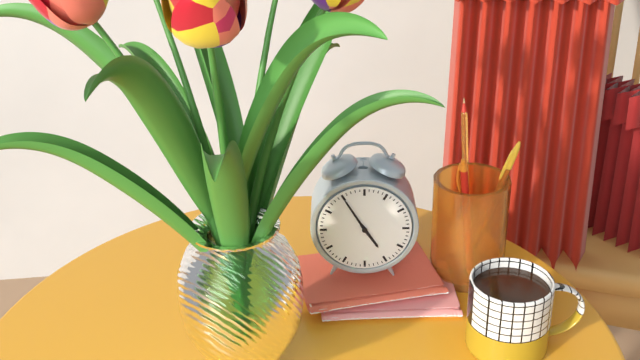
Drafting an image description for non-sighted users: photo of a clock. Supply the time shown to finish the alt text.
4:55
